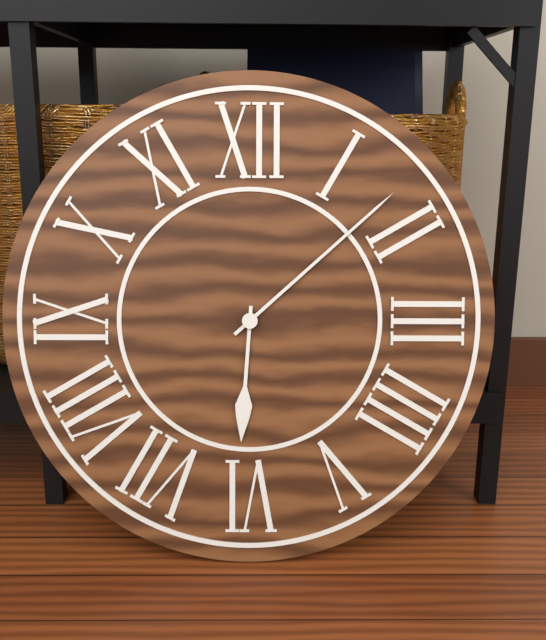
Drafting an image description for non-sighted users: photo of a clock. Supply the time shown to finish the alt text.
6:08
